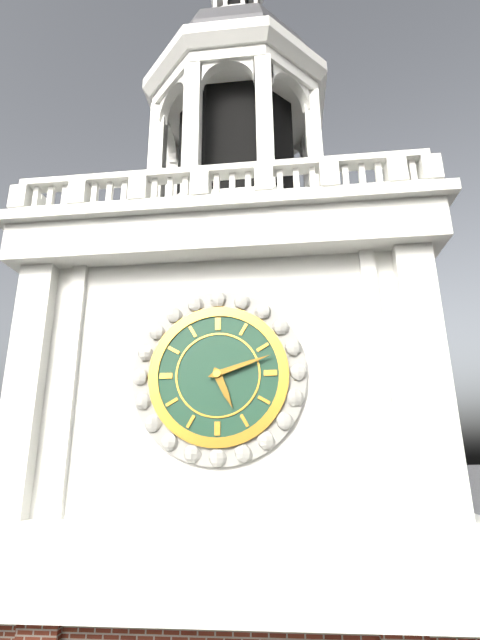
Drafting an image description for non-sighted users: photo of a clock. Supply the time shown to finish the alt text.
5:12
